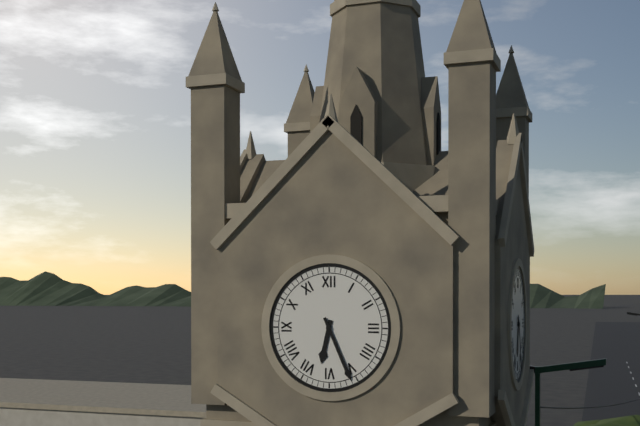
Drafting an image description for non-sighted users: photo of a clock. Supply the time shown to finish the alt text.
6:26
